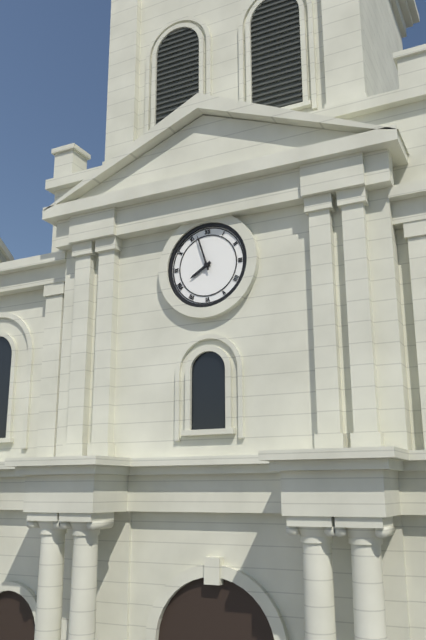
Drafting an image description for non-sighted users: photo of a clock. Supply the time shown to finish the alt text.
7:57
